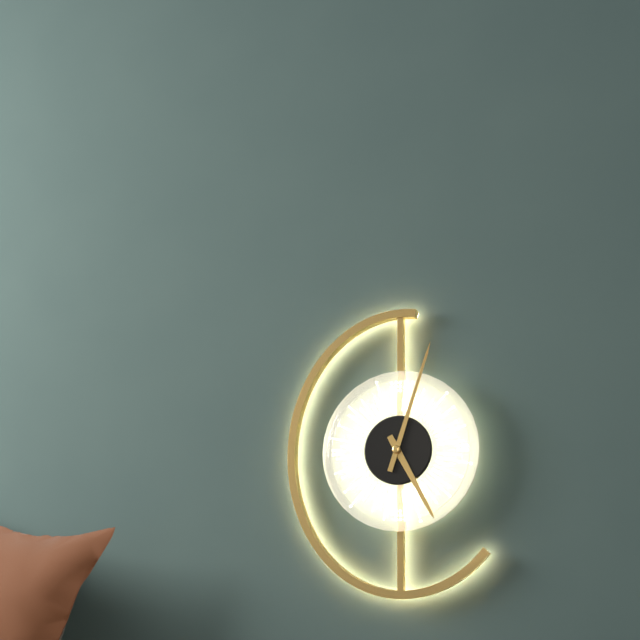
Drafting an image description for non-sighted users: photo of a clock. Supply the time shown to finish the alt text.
5:03
